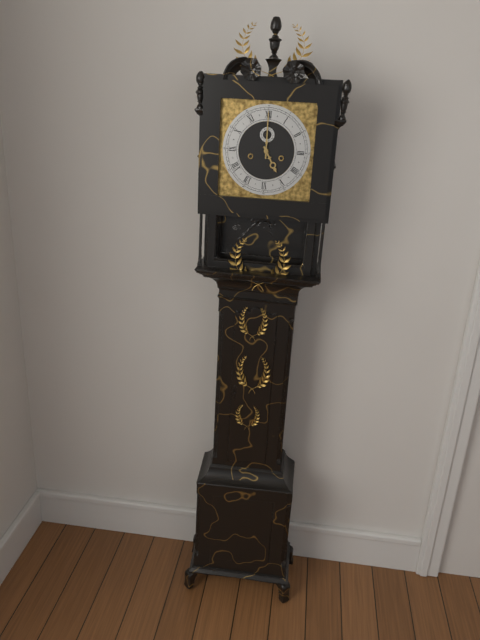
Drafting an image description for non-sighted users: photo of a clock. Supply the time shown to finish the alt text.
5:00
